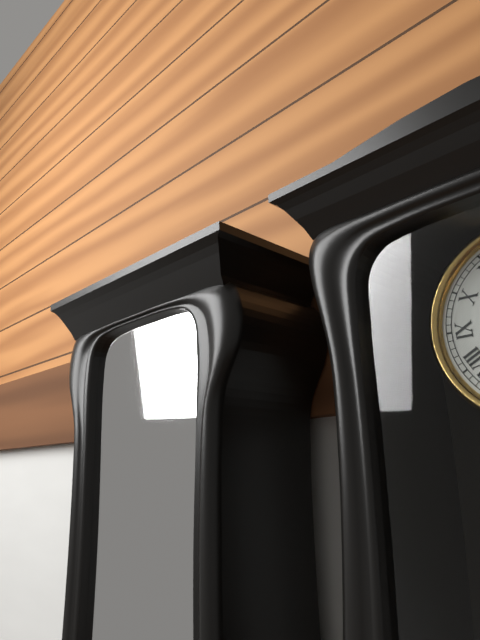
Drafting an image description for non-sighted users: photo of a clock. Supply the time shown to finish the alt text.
5:53
